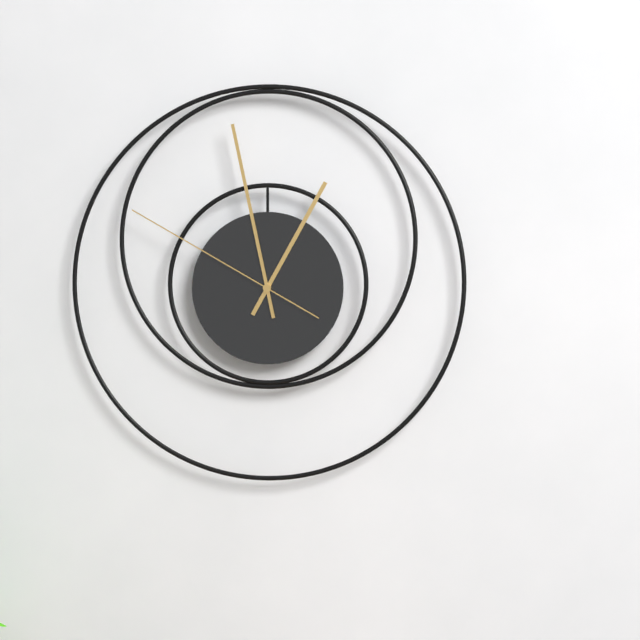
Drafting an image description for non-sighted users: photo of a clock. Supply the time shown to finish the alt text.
12:58:50
